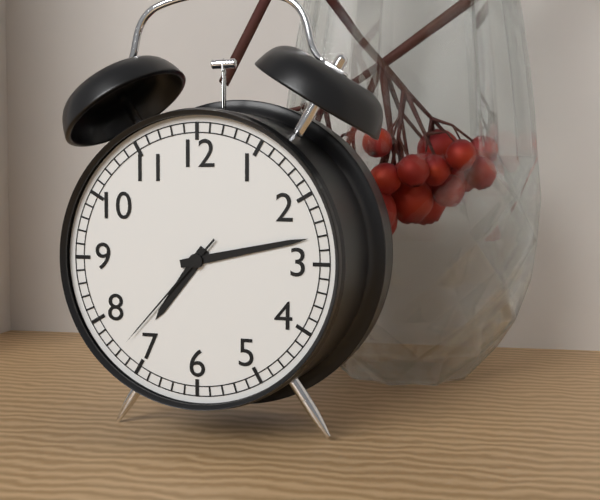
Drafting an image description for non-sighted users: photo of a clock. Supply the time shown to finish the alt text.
7:13:37
